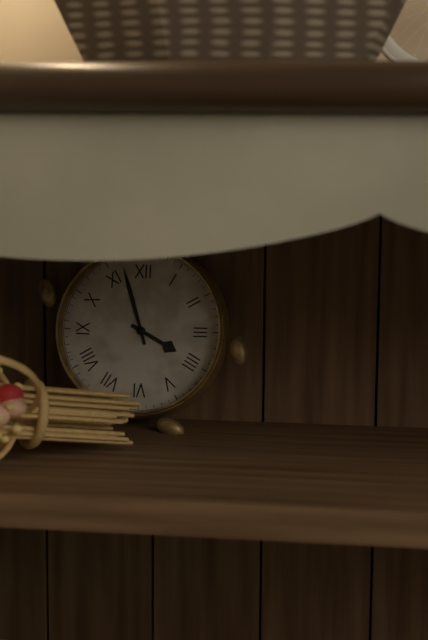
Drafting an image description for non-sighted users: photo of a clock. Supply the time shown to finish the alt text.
3:57
